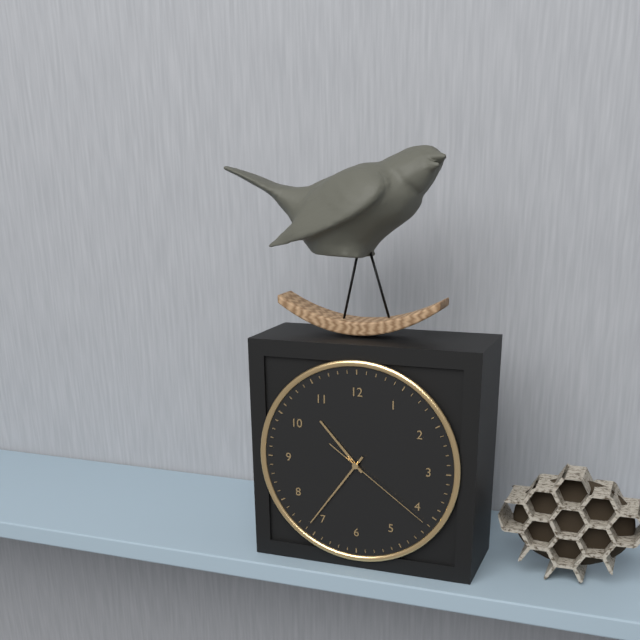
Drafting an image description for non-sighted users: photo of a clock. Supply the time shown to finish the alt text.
10:36:21
